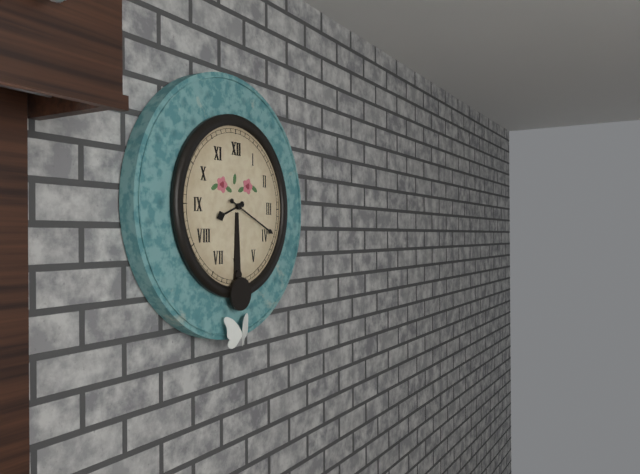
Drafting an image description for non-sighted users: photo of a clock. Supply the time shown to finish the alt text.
8:19
